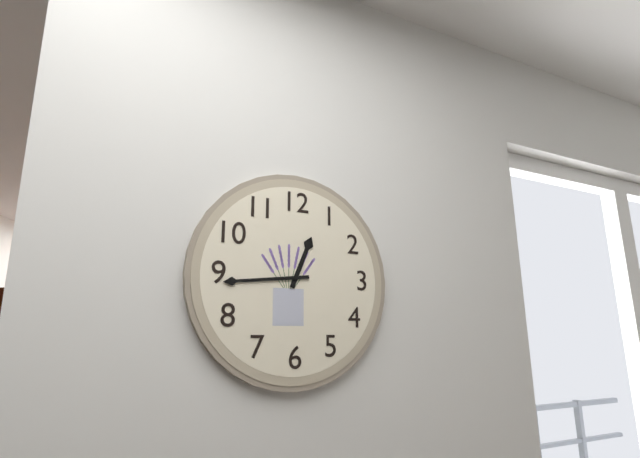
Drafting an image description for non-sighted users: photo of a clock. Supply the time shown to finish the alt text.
12:44
